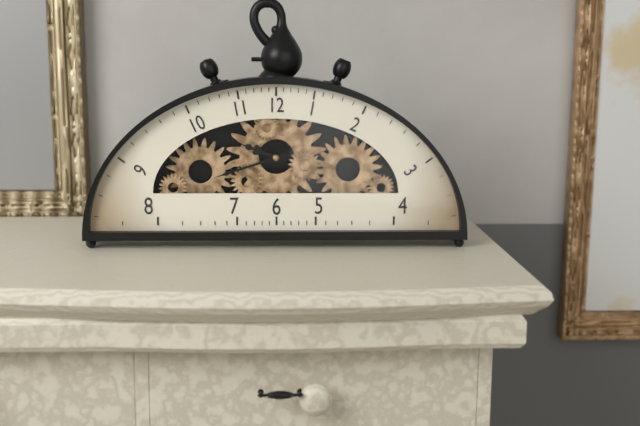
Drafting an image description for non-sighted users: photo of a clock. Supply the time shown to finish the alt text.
9:42
